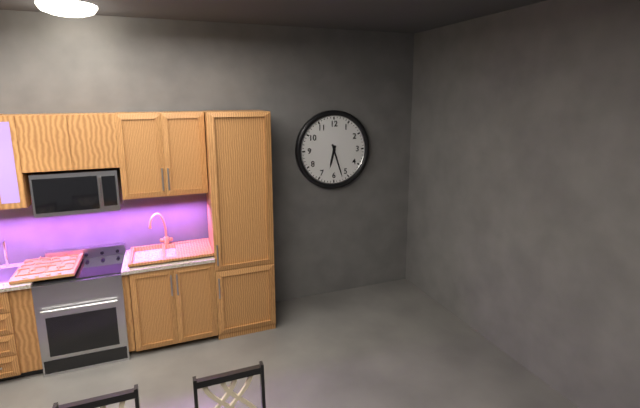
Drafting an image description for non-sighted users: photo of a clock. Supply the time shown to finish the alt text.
6:27
